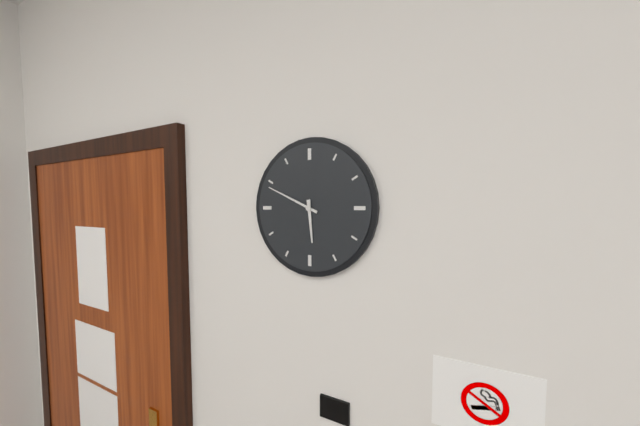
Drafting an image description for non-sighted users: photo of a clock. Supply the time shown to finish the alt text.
5:49
